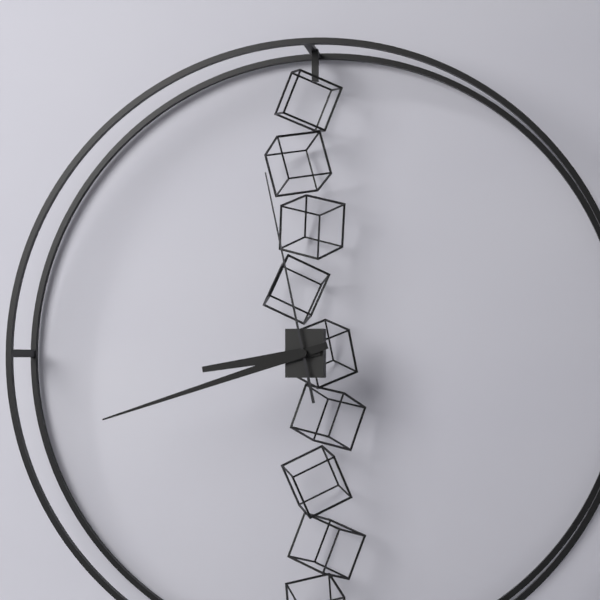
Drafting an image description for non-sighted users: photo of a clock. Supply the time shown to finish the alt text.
8:42:58
